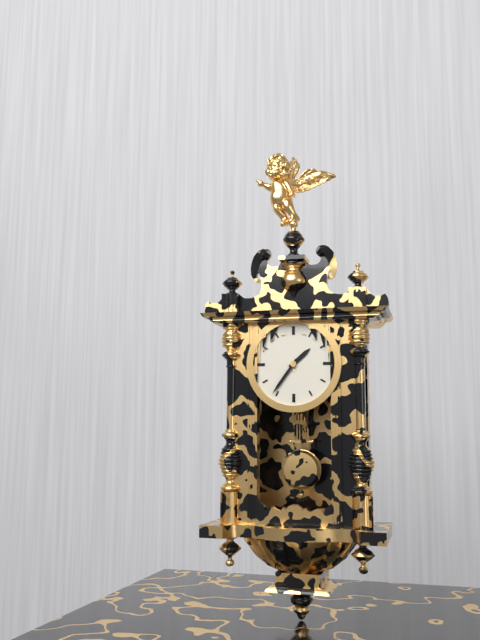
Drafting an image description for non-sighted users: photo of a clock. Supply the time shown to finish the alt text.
1:36
